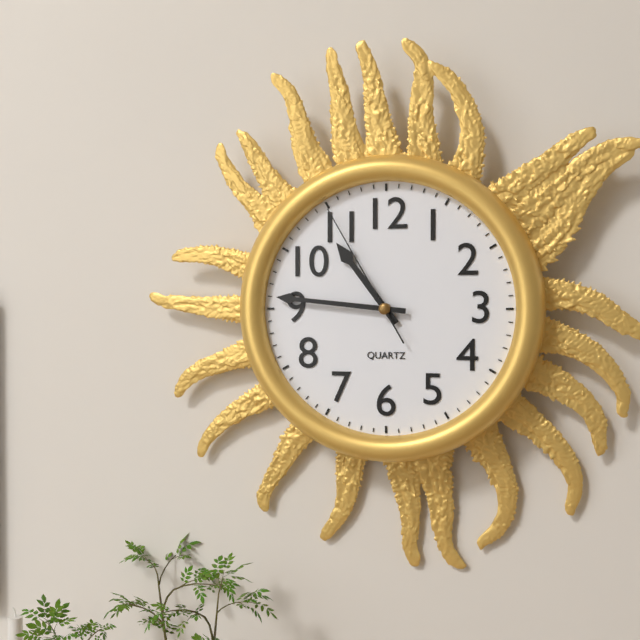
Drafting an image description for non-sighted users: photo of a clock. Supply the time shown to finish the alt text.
10:46:55
